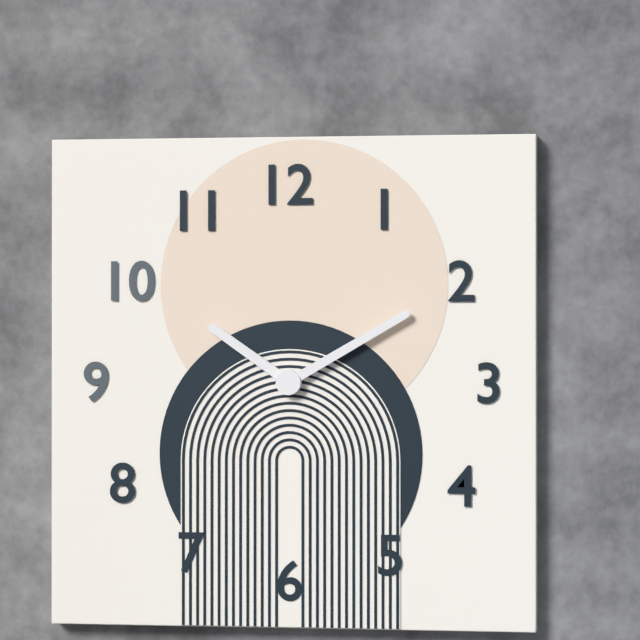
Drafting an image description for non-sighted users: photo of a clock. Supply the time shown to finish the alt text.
10:10
